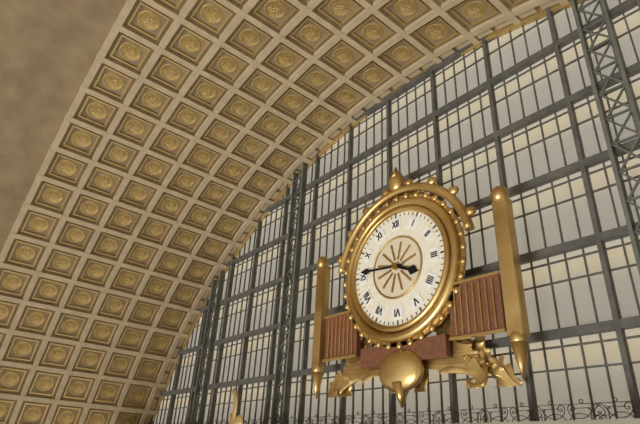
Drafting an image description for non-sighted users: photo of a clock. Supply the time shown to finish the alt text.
3:46
